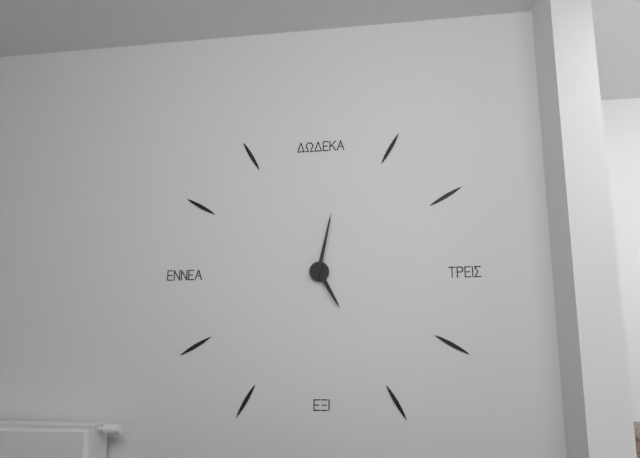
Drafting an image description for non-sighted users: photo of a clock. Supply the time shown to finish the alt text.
5:02
